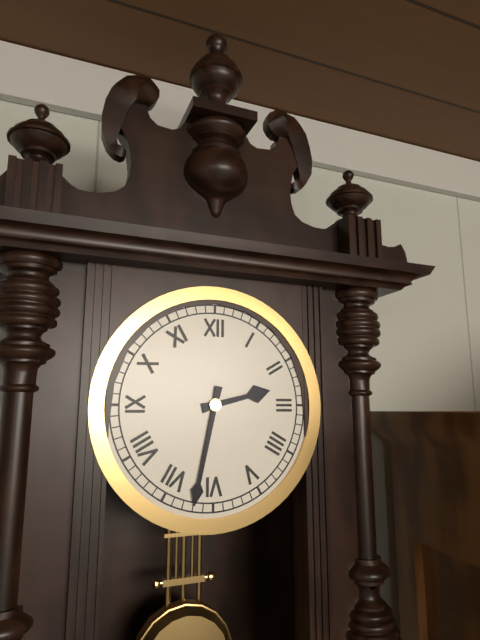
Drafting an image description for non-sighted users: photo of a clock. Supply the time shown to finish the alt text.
2:32
